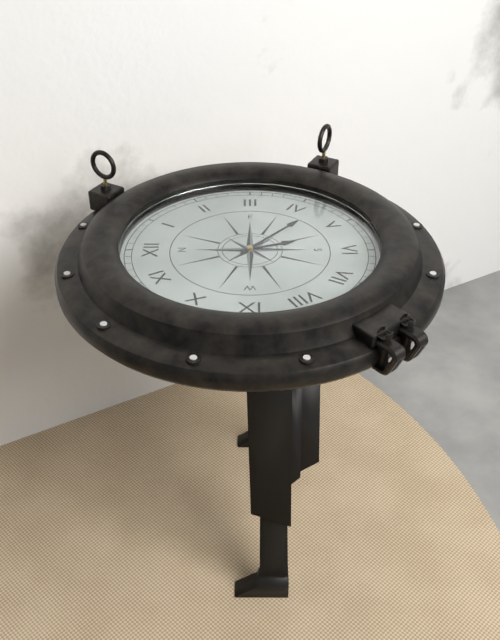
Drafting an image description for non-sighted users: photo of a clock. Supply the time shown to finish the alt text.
5:22
